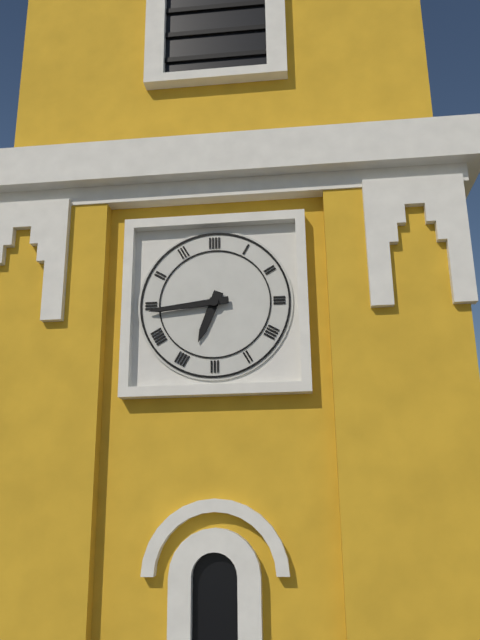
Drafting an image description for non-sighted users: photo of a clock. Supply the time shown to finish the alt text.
6:44
